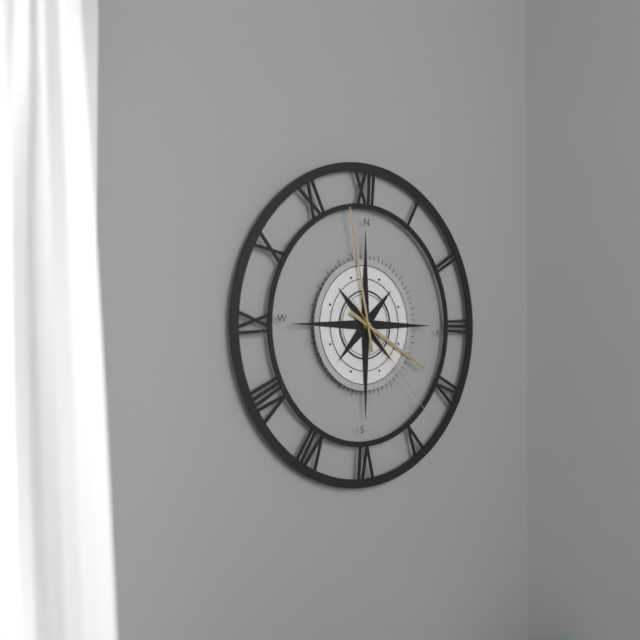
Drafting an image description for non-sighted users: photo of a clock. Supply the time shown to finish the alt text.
3:58:23
